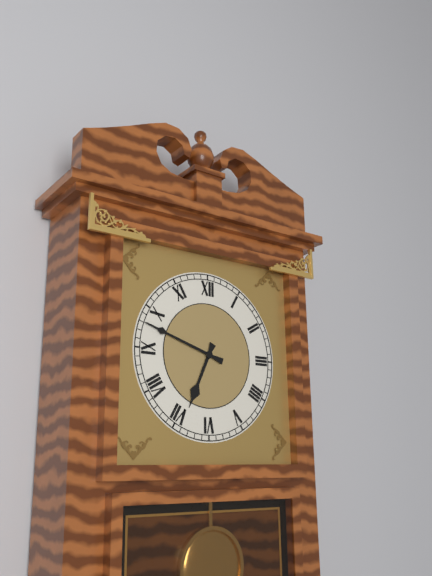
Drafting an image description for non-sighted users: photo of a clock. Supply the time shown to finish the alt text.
6:48
